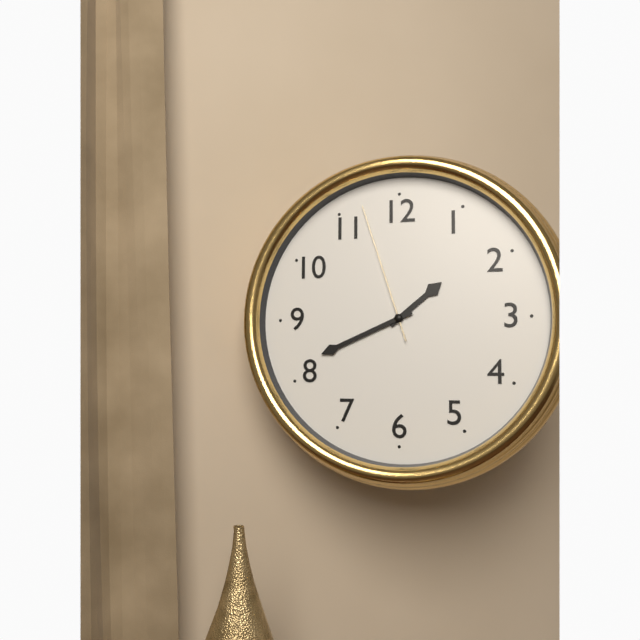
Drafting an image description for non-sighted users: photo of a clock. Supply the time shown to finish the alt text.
1:41:57
